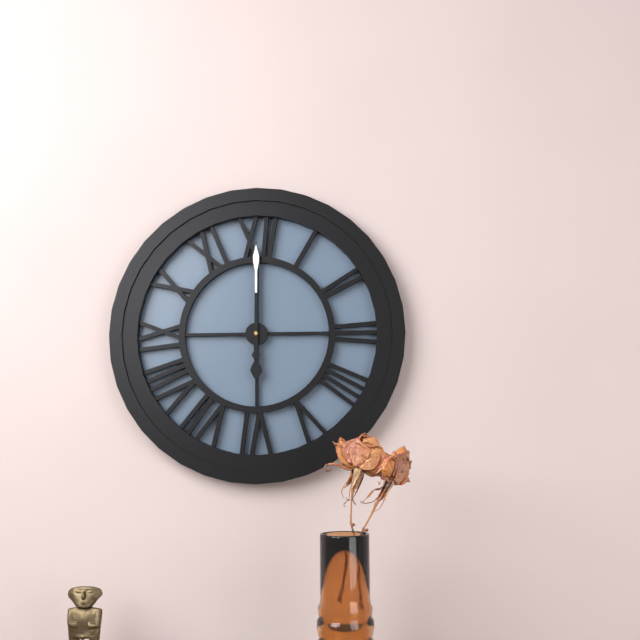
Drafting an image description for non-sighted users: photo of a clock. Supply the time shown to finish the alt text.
6:00
